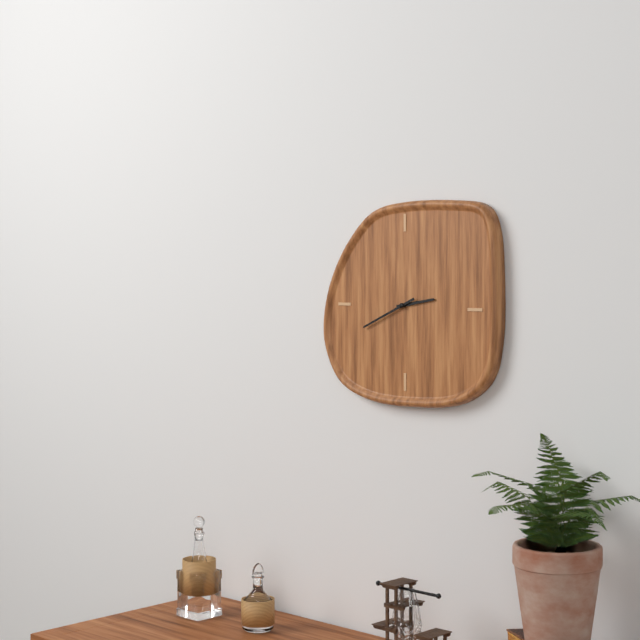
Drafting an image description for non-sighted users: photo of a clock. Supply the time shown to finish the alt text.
2:41
